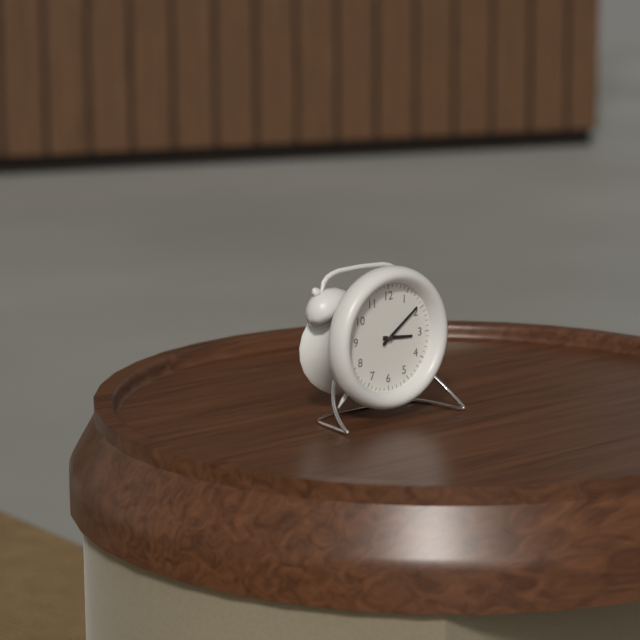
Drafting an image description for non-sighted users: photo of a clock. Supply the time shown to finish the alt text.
3:09
